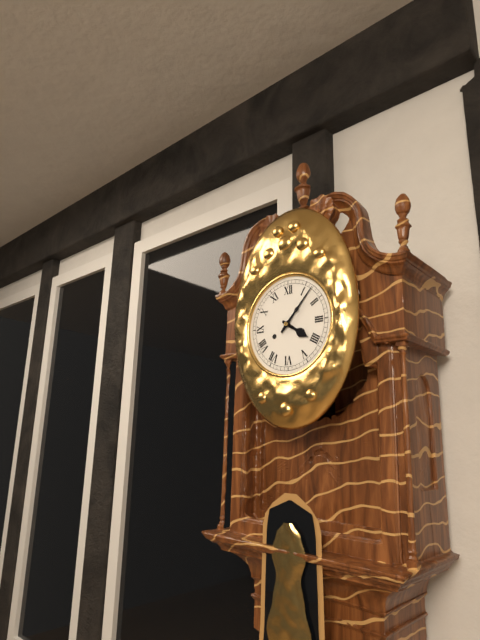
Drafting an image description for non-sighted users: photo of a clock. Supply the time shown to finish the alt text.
4:07
